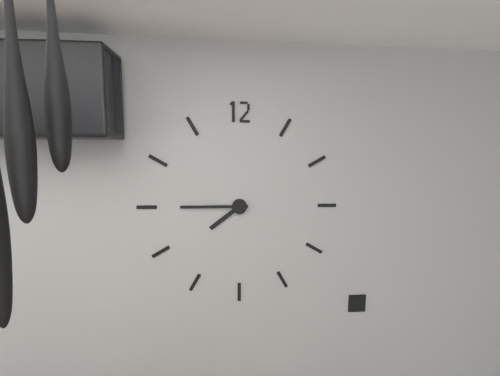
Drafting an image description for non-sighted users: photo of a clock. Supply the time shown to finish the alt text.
7:45
